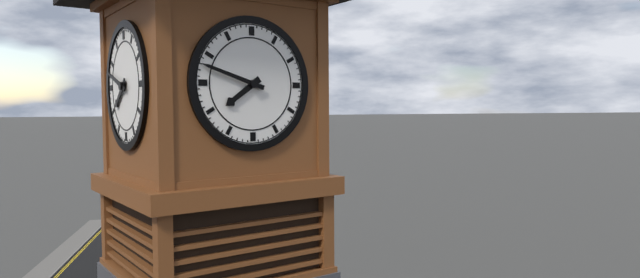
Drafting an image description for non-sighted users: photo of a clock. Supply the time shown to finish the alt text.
7:48
